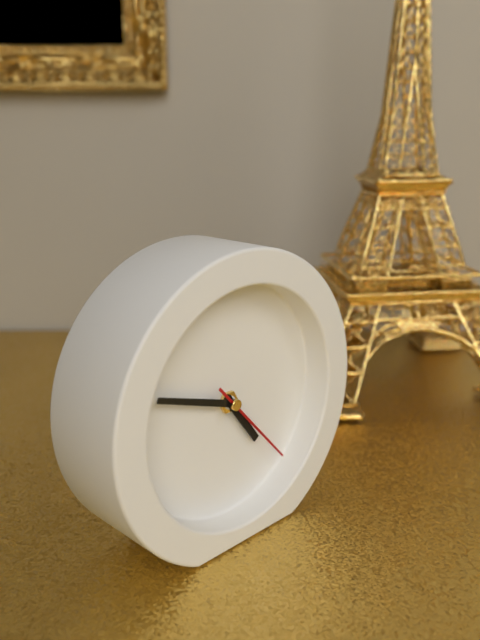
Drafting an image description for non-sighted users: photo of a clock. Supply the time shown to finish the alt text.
4:48:23
